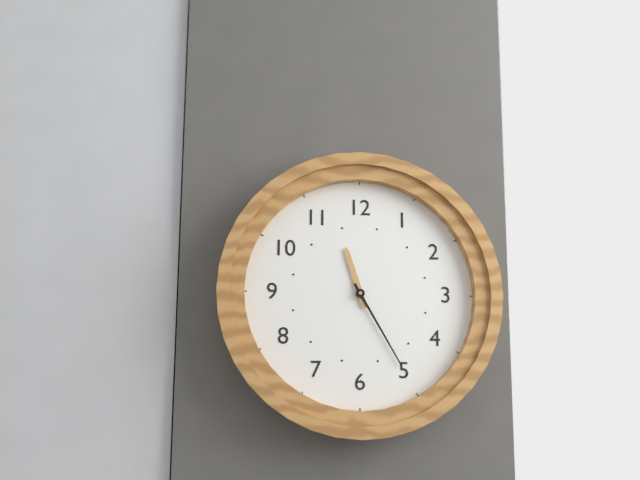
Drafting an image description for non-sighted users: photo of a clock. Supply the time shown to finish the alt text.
11:25
